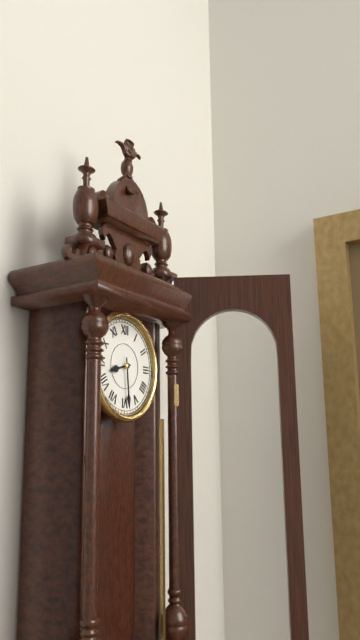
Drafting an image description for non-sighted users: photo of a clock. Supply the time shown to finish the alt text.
8:29
